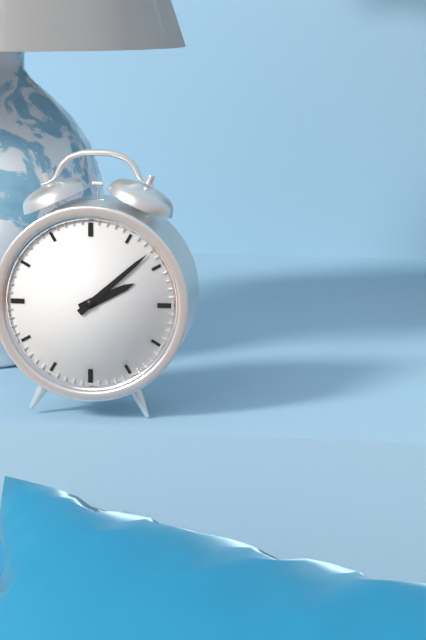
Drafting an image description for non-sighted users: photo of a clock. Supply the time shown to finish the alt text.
2:08
